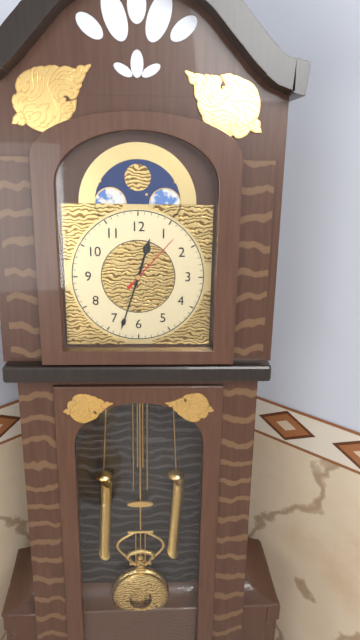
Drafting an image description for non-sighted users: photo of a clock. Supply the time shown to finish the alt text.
12:33:07
